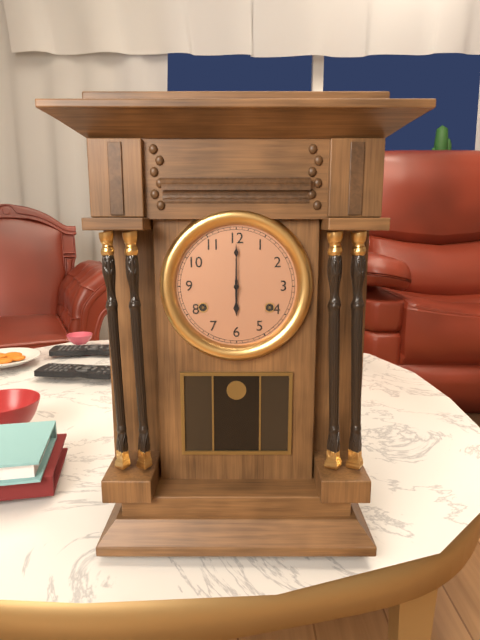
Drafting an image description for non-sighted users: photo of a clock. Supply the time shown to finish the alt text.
6:00
